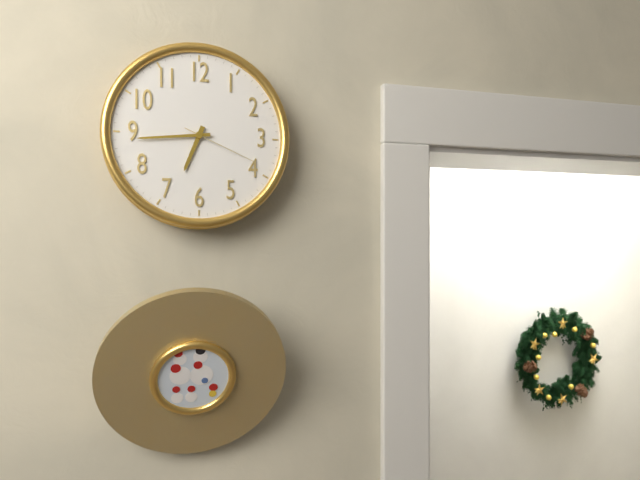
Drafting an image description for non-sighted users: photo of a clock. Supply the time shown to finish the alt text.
6:44:19
